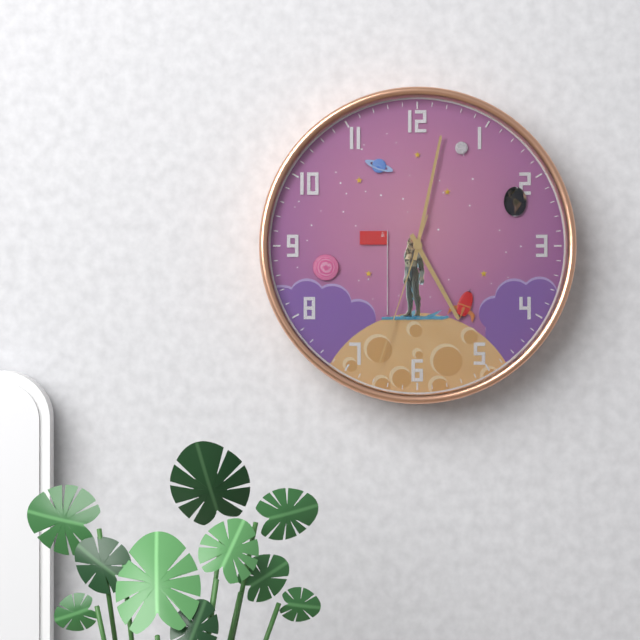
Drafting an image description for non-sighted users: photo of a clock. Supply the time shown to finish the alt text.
5:02:33
